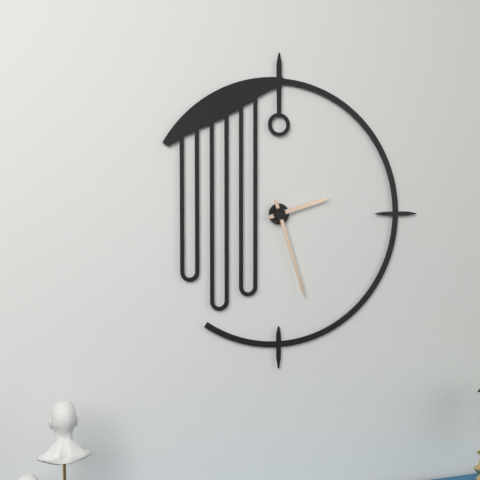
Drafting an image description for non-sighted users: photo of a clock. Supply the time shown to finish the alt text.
2:27
